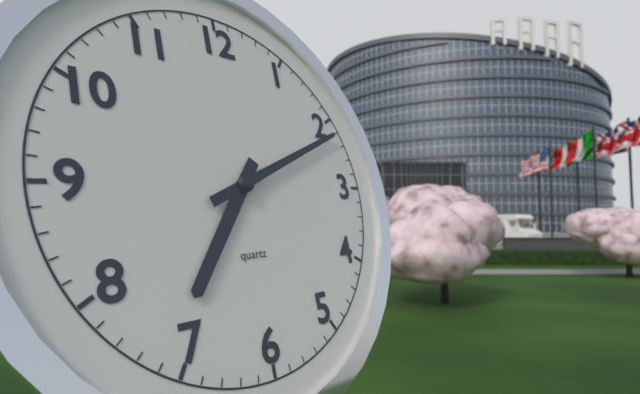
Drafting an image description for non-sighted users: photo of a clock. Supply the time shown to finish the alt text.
7:11
